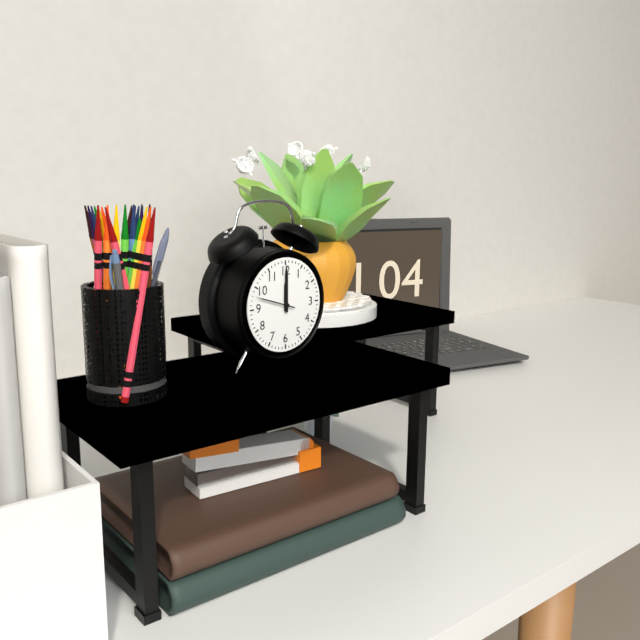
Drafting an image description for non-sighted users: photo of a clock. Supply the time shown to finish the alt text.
12:00
